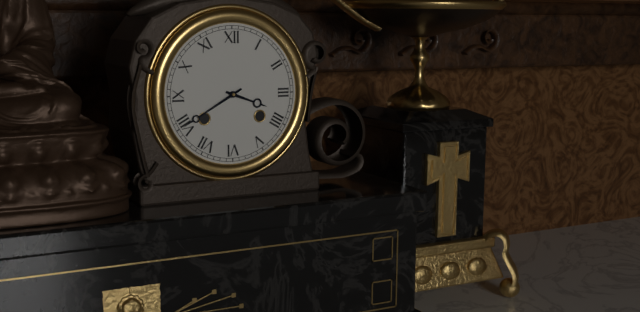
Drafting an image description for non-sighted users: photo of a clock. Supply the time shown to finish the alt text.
3:40
